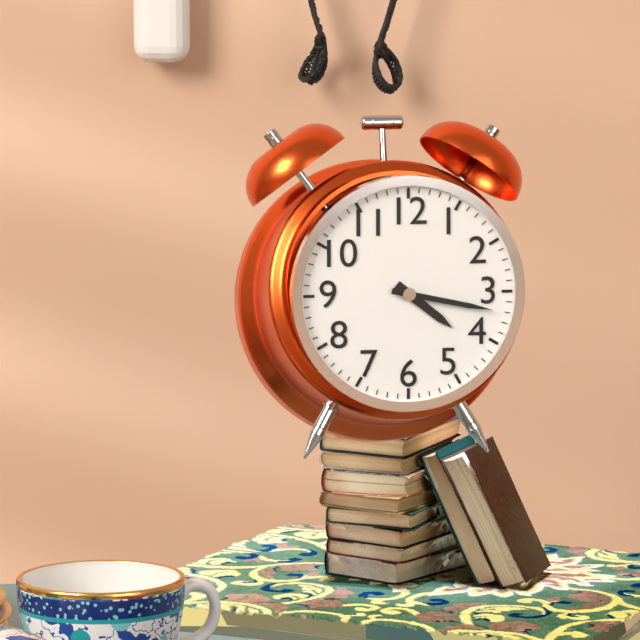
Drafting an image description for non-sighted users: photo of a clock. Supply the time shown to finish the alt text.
4:17
